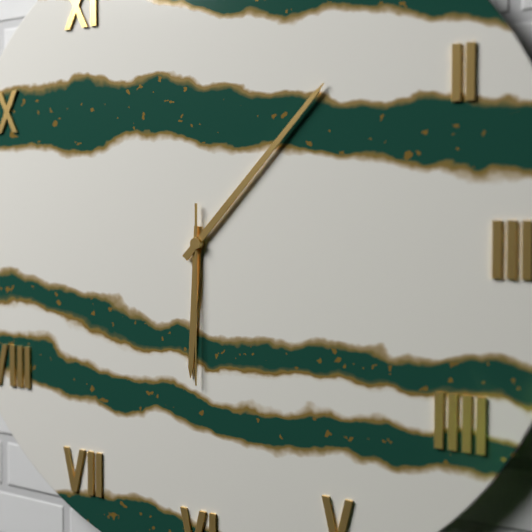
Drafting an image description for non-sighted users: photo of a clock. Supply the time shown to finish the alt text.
6:07:30
